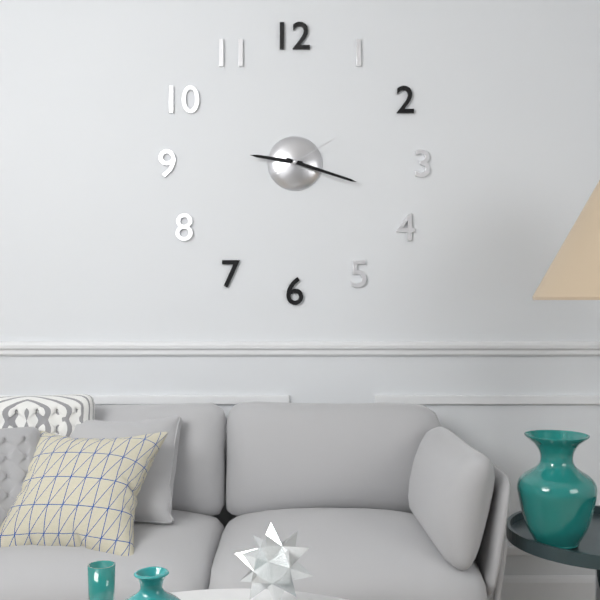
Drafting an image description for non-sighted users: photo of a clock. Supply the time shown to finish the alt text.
9:18:10
